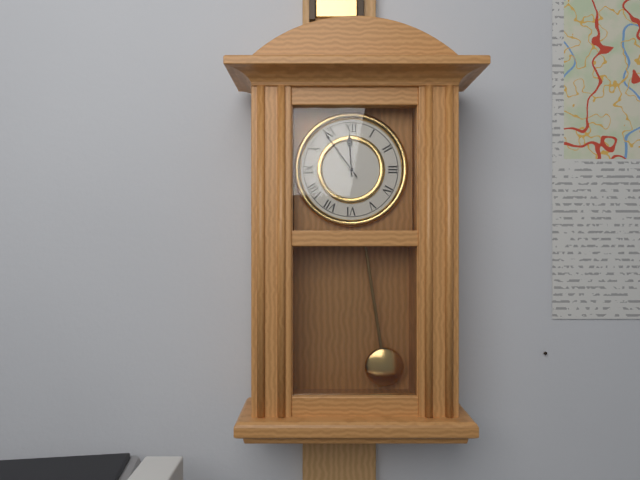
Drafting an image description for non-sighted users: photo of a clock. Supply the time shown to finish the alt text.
11:54
